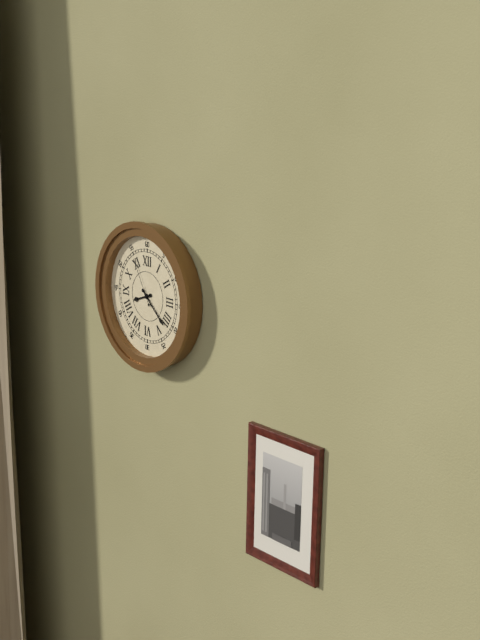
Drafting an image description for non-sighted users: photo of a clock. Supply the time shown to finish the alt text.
8:22:55
